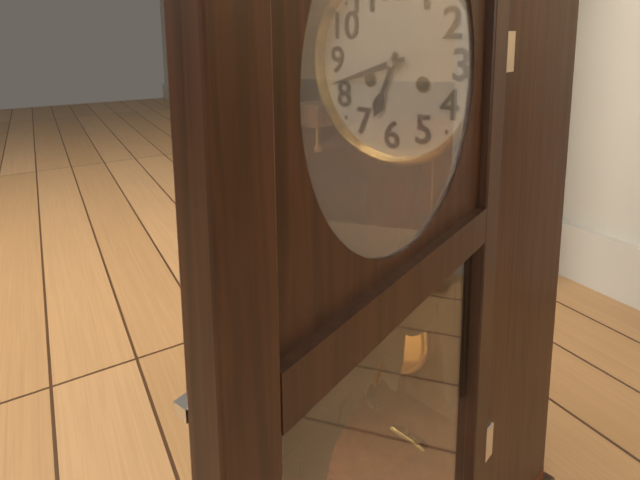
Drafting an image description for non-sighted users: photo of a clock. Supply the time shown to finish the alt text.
6:42
